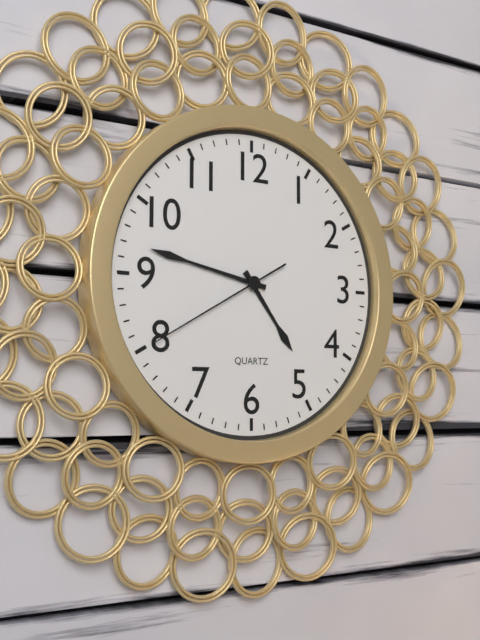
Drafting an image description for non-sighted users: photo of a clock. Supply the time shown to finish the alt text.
4:47:40
